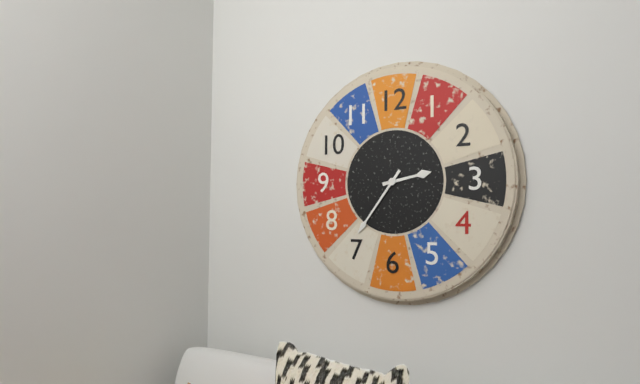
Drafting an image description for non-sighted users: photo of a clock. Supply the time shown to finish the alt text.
2:36
